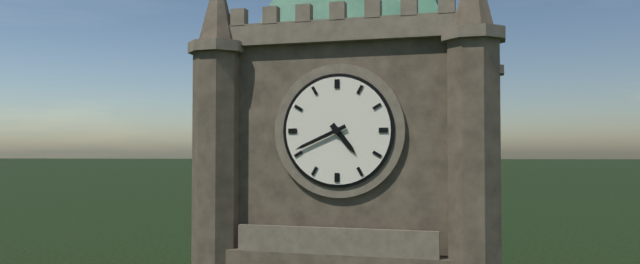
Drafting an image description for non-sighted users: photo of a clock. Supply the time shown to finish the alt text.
4:41
